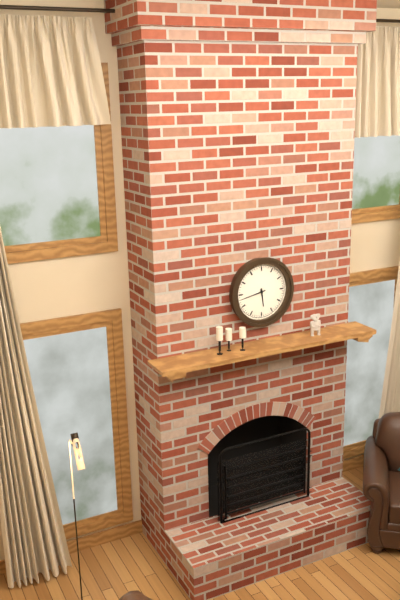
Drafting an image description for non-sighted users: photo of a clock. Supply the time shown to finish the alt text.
5:43
